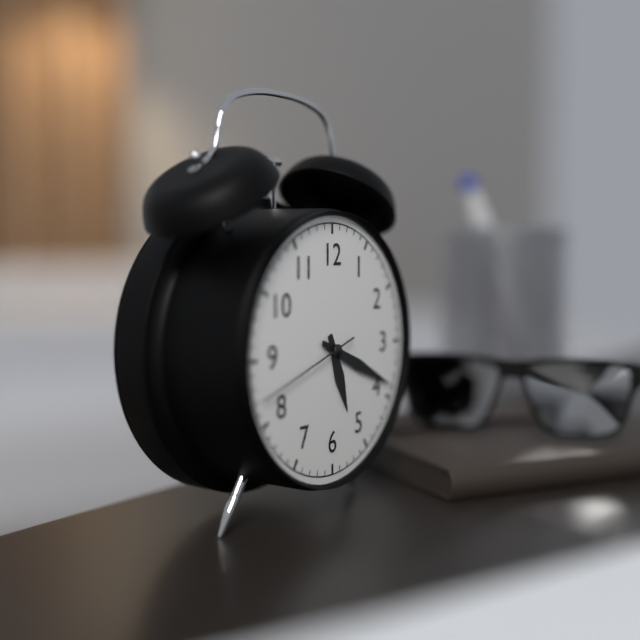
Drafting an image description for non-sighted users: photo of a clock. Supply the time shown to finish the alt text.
5:19:42
